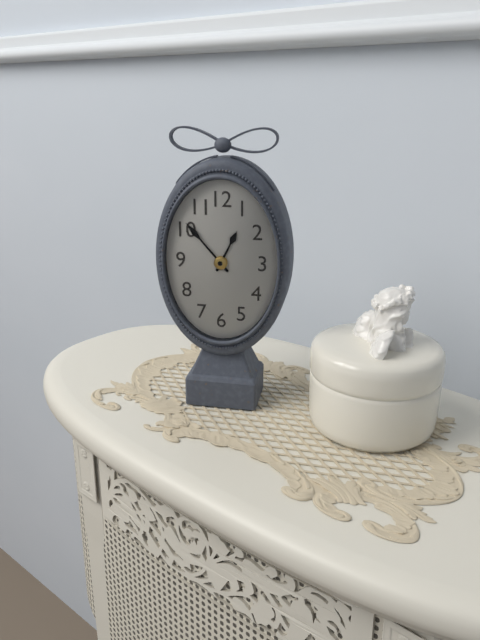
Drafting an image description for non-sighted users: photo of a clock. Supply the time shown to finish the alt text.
12:53
